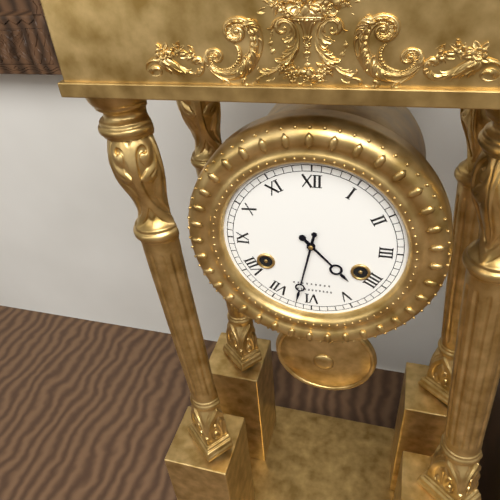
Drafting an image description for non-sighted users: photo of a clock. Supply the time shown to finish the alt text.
4:32
